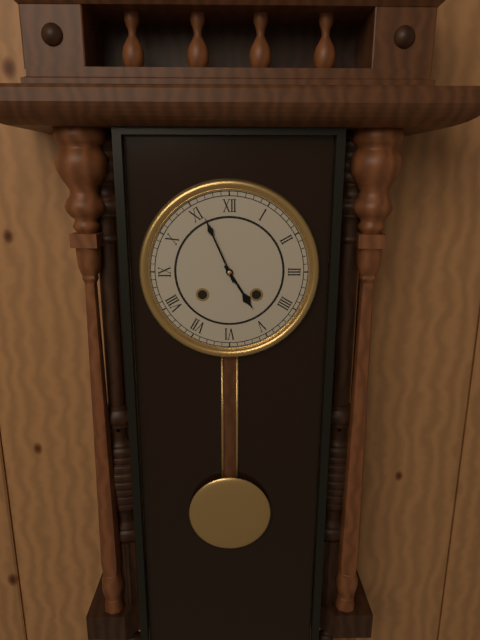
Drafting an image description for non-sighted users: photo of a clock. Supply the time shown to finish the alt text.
4:56
